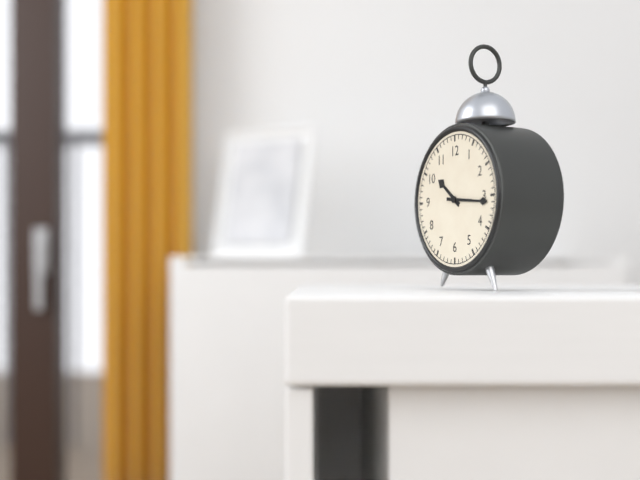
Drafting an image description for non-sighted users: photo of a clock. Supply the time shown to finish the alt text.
10:16
